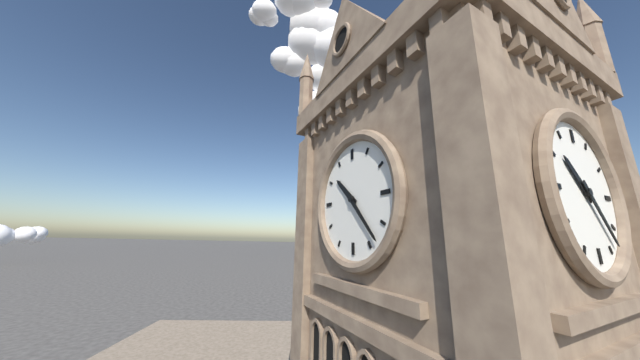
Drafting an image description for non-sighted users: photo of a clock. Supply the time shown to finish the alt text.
10:23
